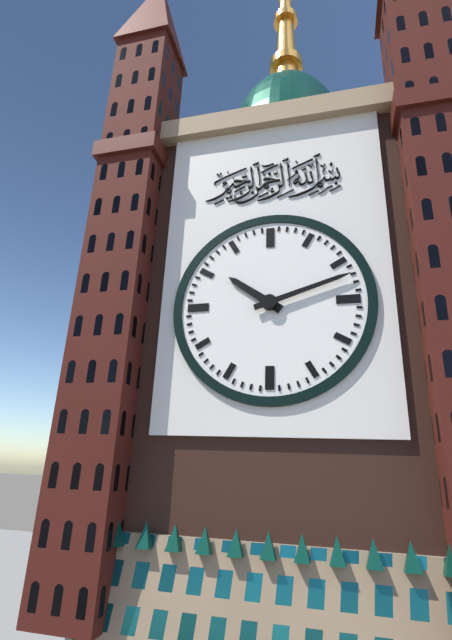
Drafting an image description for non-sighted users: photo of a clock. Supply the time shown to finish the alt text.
10:12
